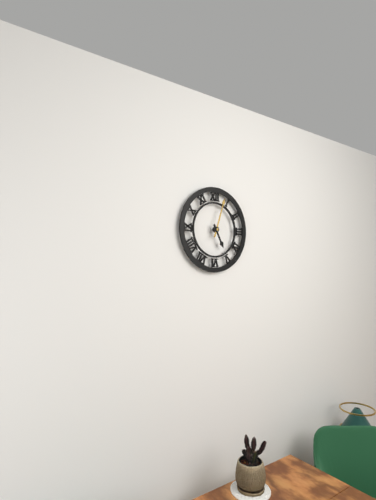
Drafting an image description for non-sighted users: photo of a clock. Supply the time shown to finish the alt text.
5:03
